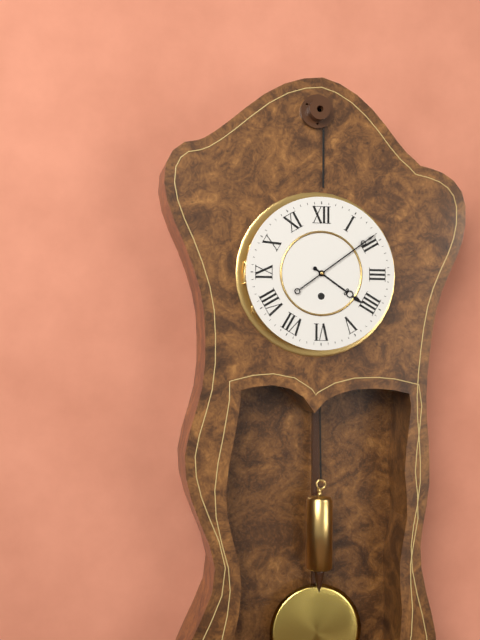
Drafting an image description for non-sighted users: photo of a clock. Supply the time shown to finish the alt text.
4:09
